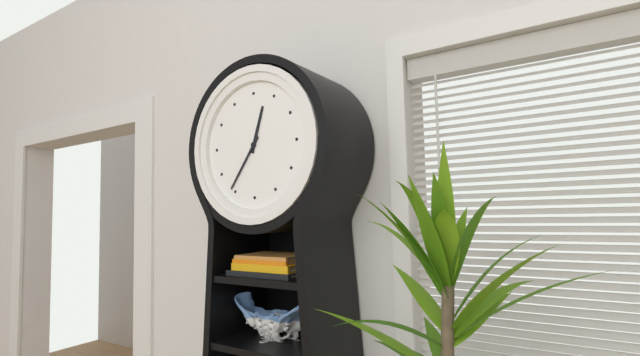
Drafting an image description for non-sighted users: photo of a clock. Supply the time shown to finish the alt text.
12:36
